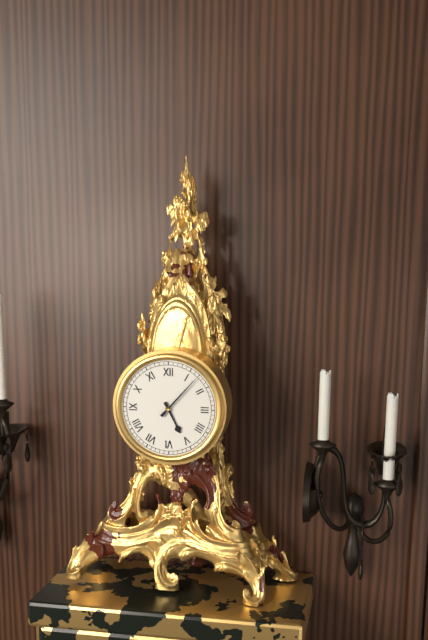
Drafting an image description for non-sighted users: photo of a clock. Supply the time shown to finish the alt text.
5:07
